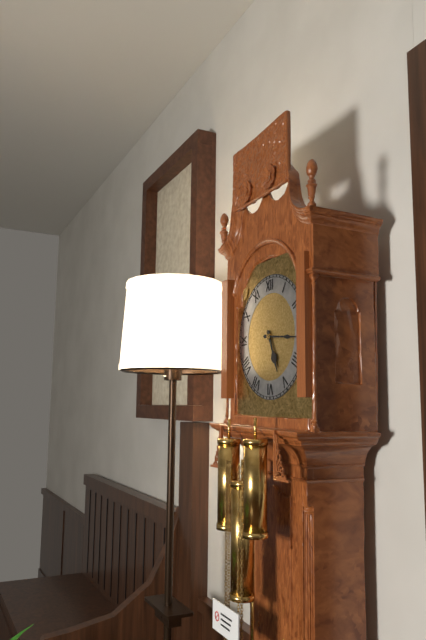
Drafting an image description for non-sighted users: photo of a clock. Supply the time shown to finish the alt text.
5:16
